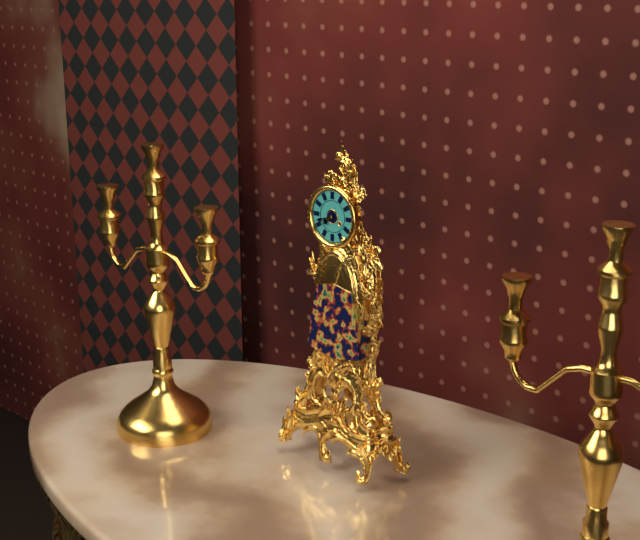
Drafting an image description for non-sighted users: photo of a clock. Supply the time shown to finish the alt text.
7:42
